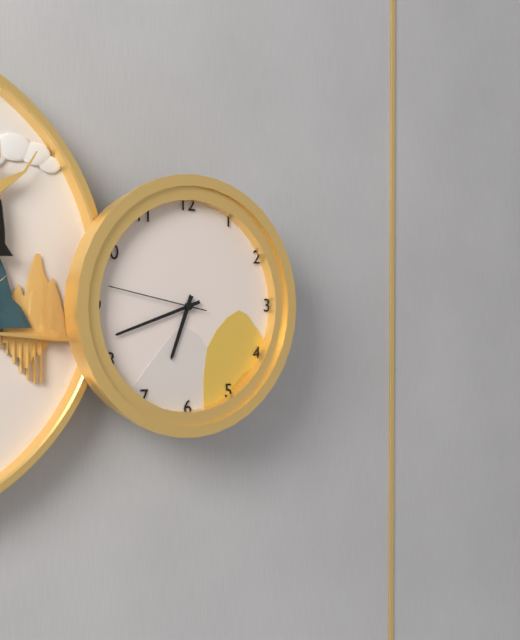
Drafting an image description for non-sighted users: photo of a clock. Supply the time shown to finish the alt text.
6:42:47
